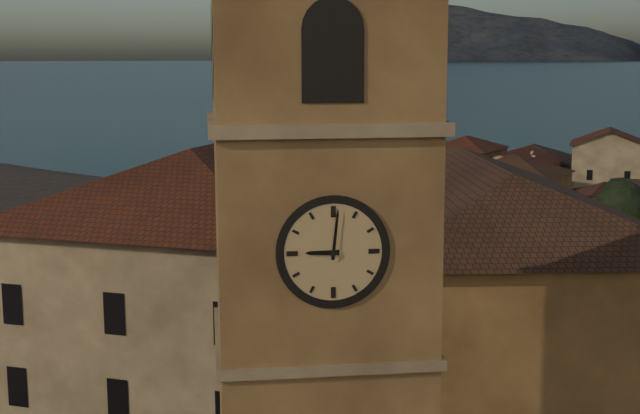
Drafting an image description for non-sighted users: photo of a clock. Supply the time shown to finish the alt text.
9:01
